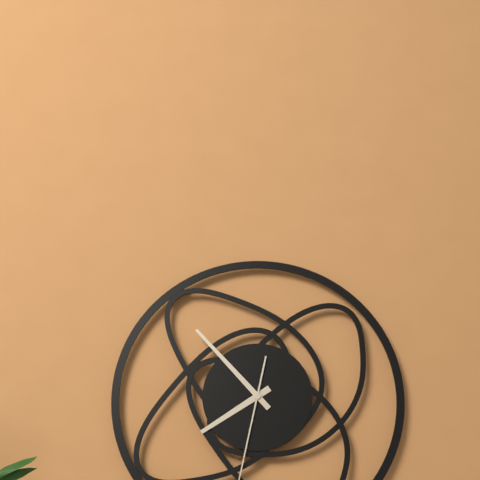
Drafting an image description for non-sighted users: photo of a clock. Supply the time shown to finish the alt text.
7:53
